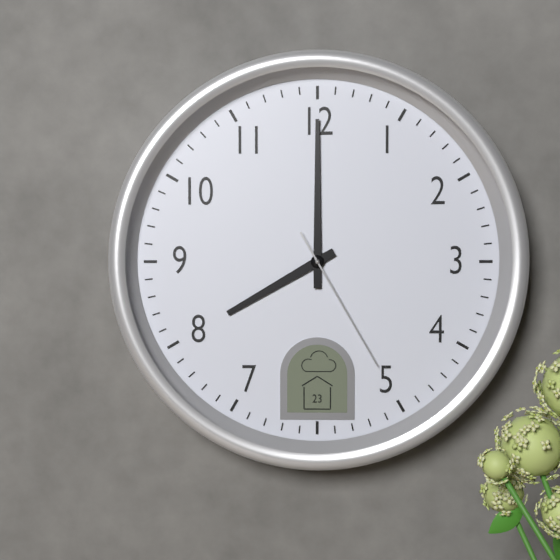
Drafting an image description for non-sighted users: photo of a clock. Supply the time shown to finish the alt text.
8:00:25
